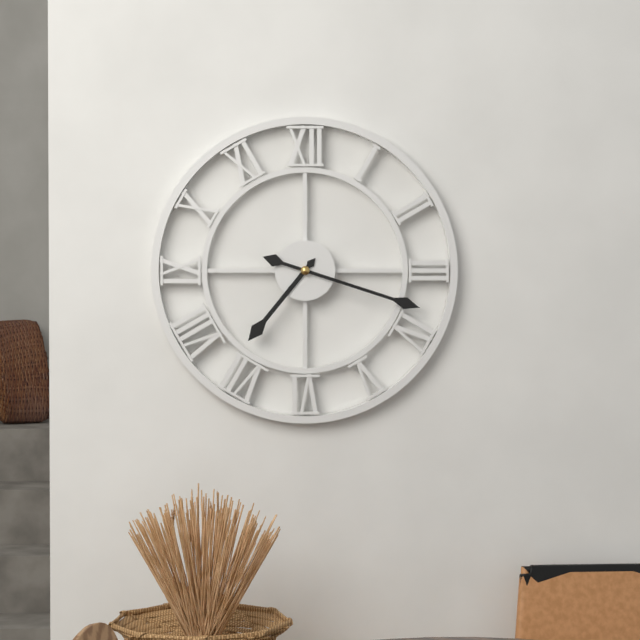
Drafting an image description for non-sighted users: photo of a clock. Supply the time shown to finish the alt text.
7:18
